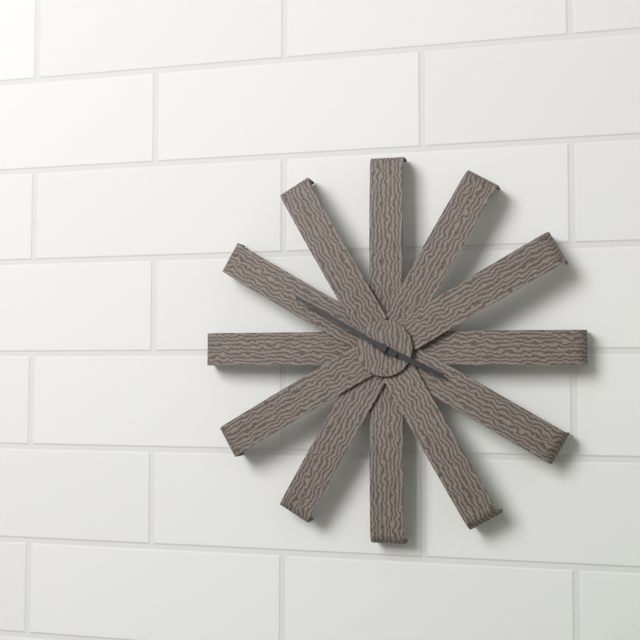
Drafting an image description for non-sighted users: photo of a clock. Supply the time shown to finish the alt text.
3:50
